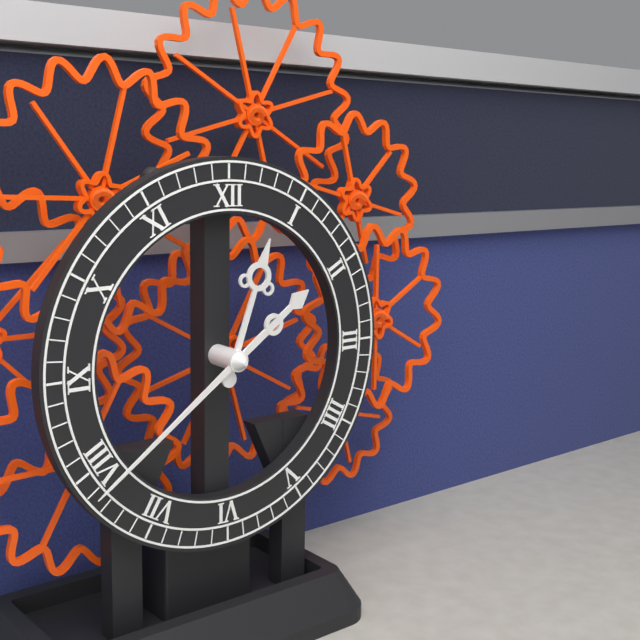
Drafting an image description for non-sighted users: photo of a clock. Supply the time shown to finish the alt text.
12:39
